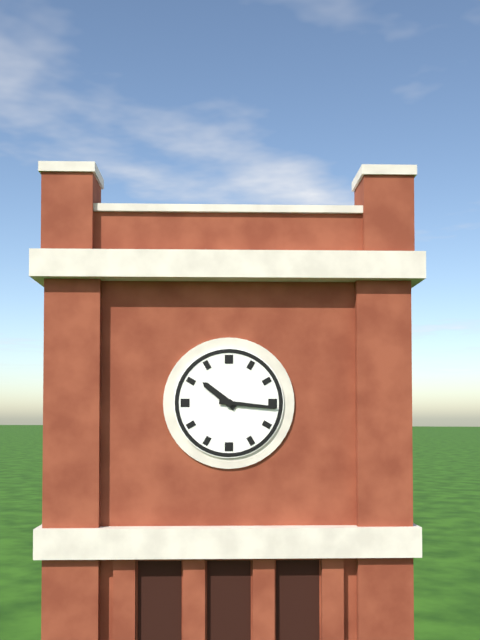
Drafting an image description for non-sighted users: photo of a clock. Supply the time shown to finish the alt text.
10:16
